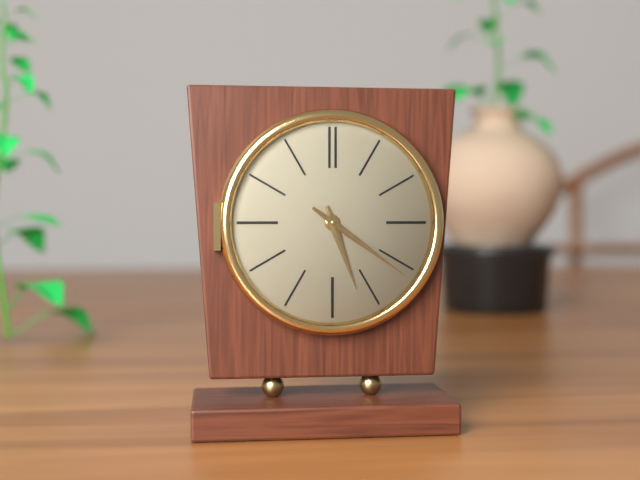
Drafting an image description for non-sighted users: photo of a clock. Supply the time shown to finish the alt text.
5:21
